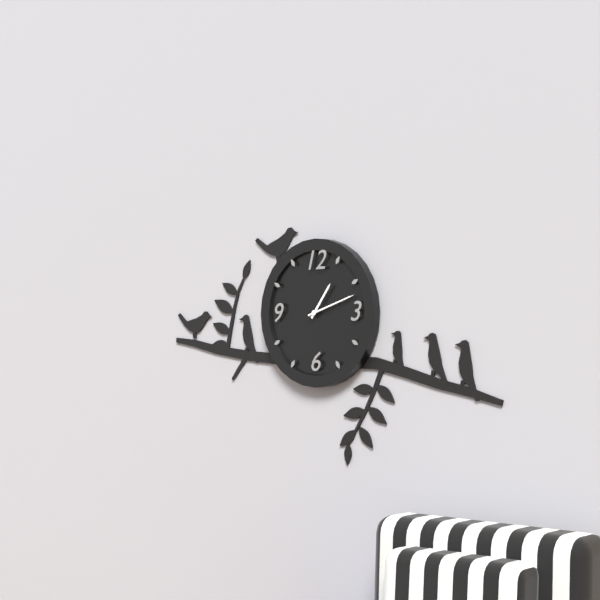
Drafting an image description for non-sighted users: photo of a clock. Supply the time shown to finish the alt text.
1:12
